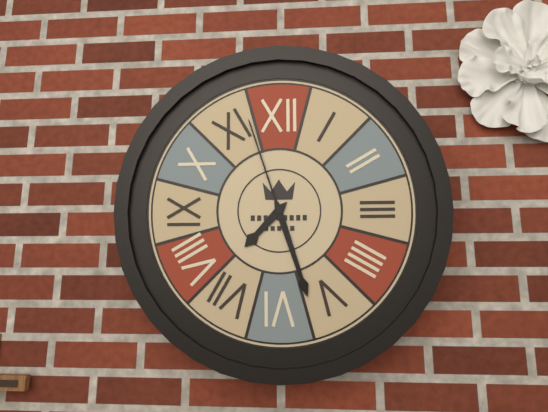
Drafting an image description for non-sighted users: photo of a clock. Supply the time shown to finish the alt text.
7:27:57
